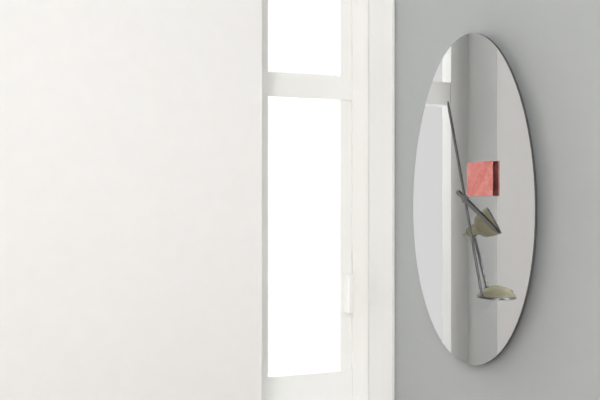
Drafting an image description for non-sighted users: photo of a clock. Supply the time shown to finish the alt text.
3:57
